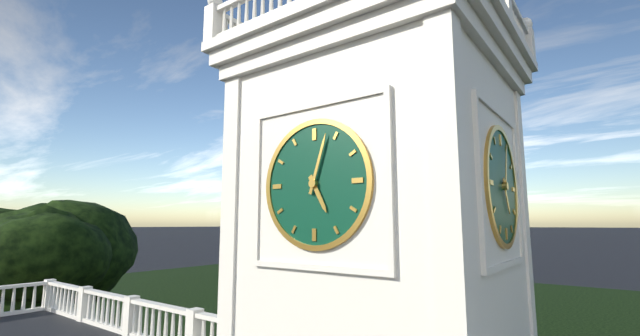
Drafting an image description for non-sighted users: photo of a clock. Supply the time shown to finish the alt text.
5:03
